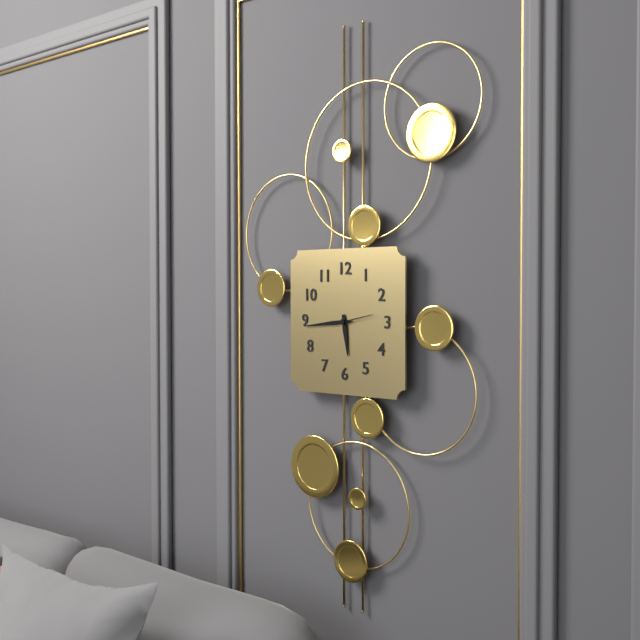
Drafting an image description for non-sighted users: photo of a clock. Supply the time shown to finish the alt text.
5:44
